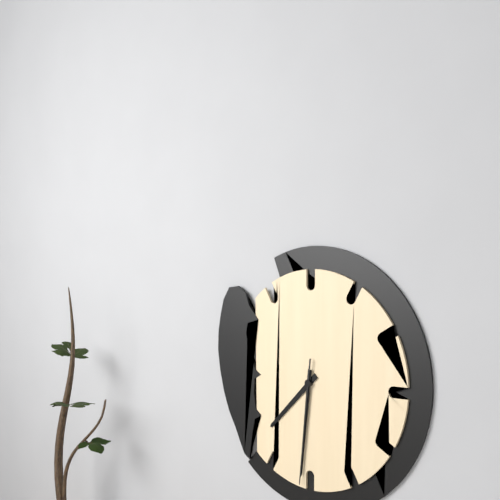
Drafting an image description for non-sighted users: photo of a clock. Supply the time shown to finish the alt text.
7:31:31
